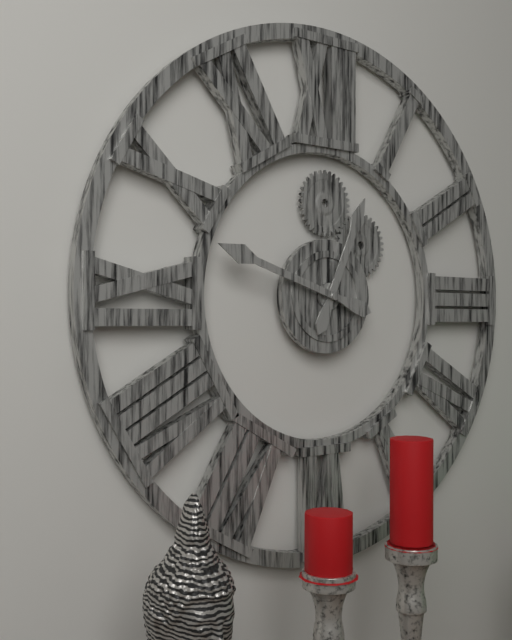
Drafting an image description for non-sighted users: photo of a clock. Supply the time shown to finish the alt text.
12:48
